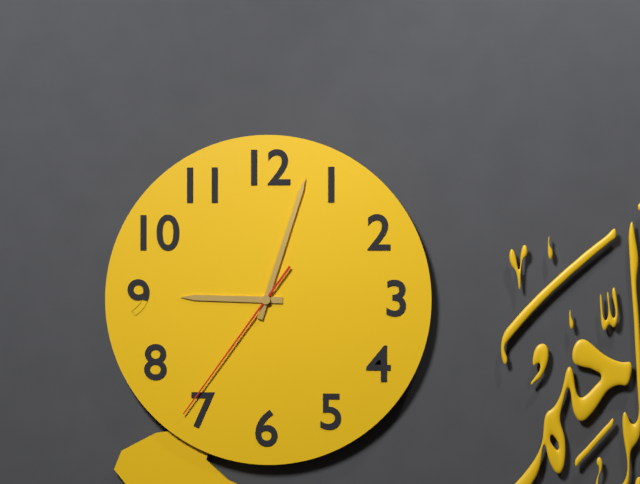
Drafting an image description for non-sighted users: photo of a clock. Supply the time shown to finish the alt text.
9:03:36
